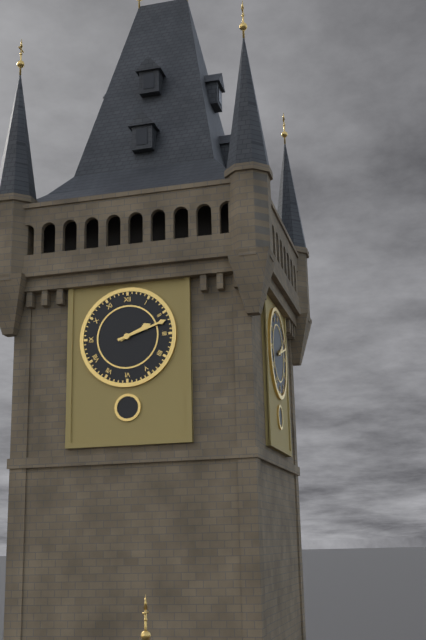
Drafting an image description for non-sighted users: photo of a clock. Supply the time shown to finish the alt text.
2:12
